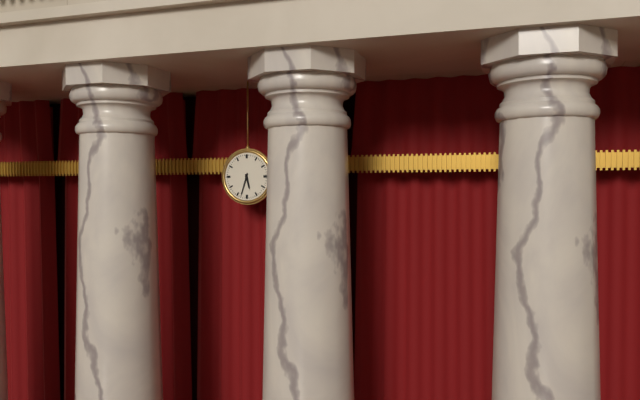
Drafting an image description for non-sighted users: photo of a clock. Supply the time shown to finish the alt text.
5:33
